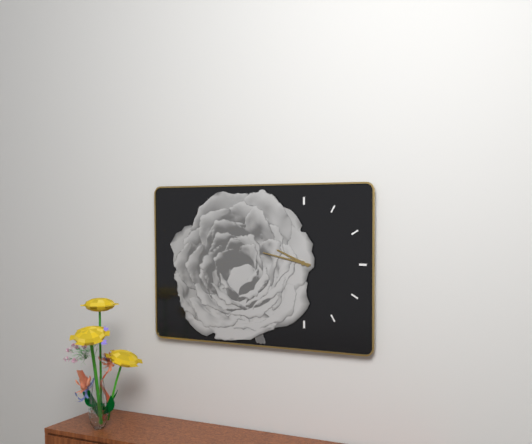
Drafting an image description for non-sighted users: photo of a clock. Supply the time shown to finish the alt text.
9:47
